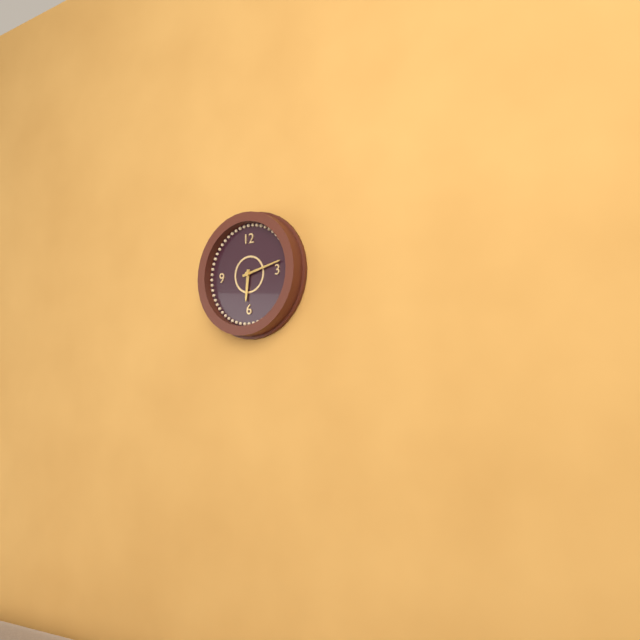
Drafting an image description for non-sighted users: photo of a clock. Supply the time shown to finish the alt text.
6:13
